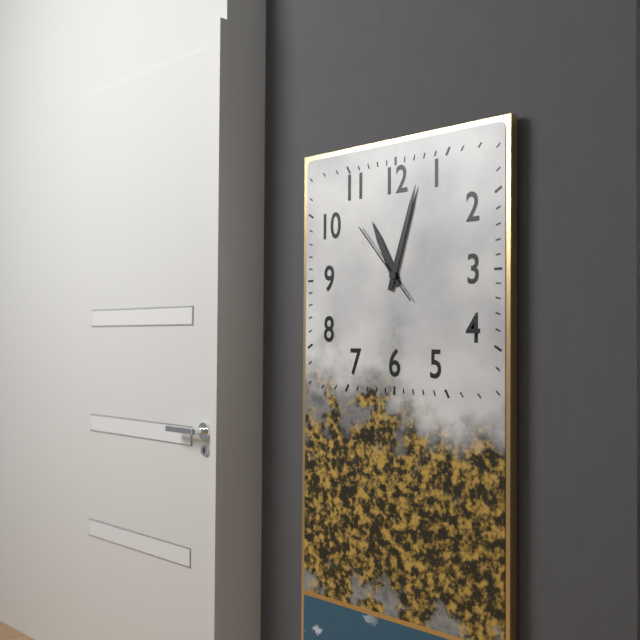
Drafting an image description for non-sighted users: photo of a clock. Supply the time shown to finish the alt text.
11:03:53
